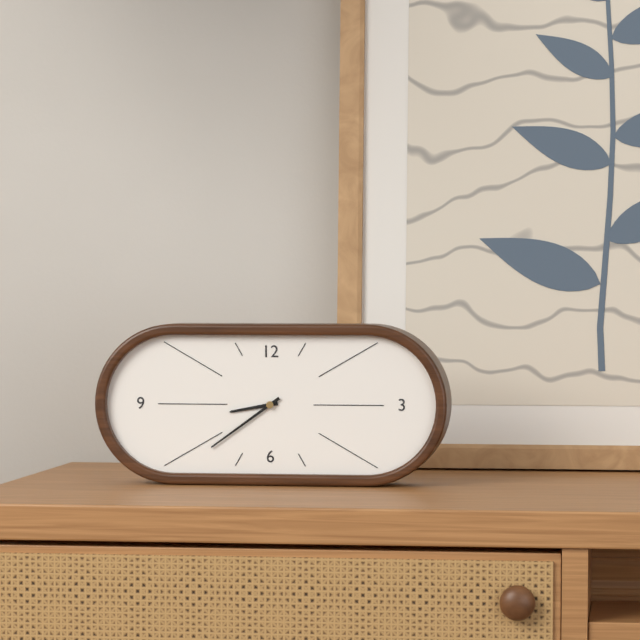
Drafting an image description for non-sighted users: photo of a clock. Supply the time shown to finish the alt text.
8:39
